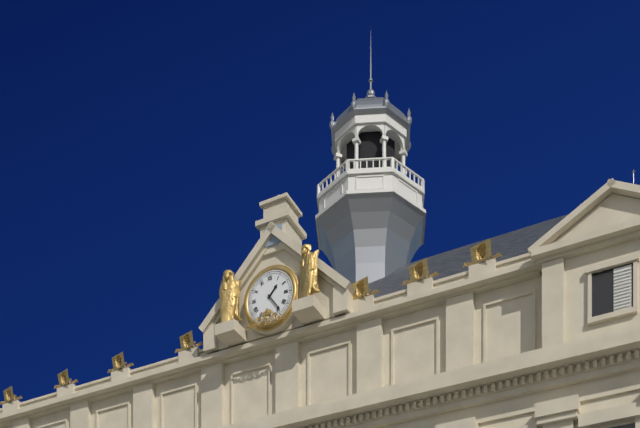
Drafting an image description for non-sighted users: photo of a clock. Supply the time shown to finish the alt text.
1:24
